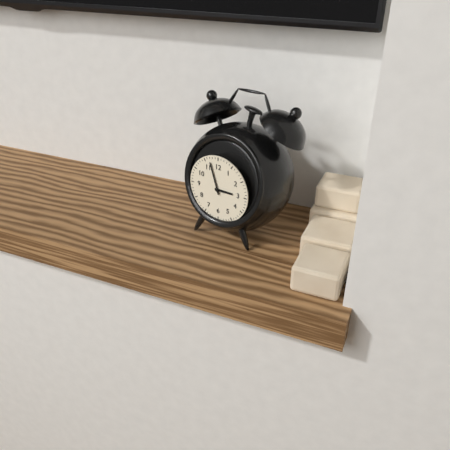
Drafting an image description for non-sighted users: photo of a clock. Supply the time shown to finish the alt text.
2:57
